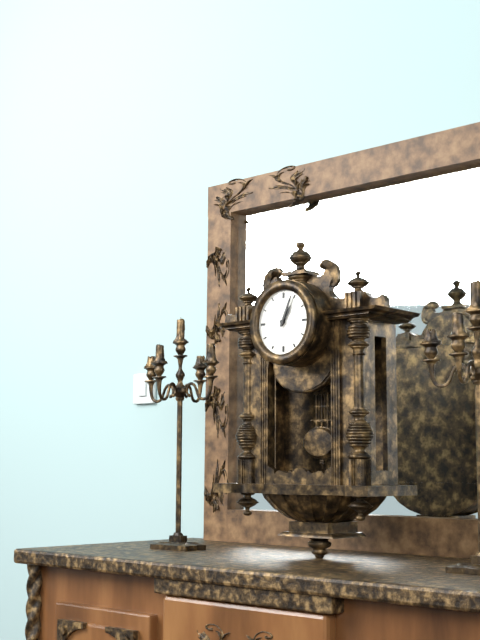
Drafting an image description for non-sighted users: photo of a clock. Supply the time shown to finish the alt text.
1:04
